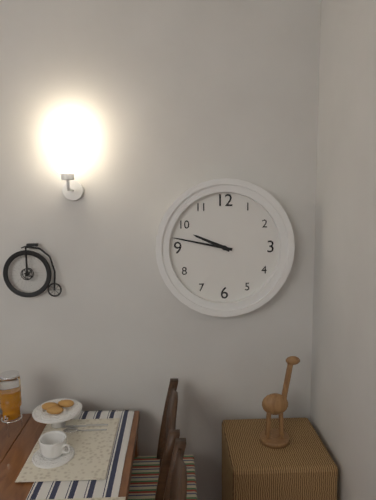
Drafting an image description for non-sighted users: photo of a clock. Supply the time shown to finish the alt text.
9:47
